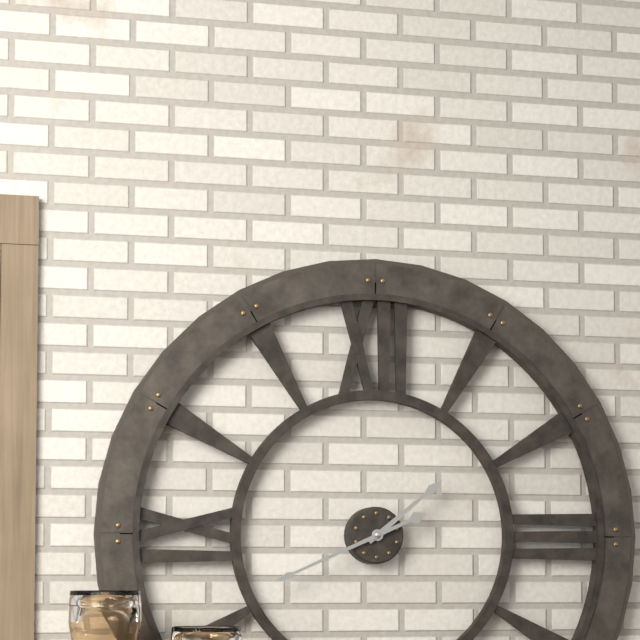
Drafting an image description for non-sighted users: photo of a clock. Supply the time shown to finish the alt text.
1:41
